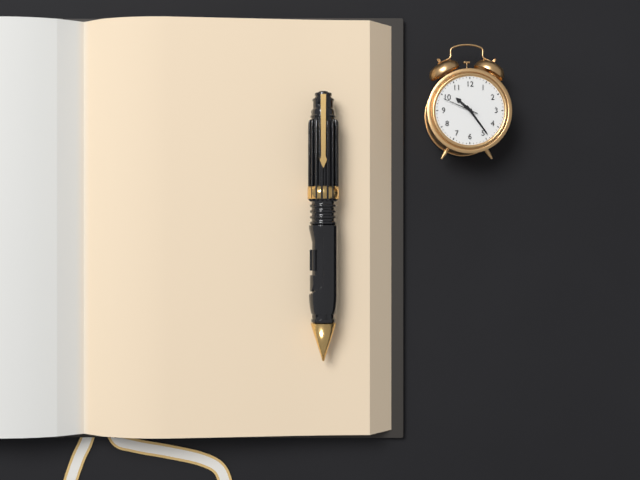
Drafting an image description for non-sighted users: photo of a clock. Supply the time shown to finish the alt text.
10:24
